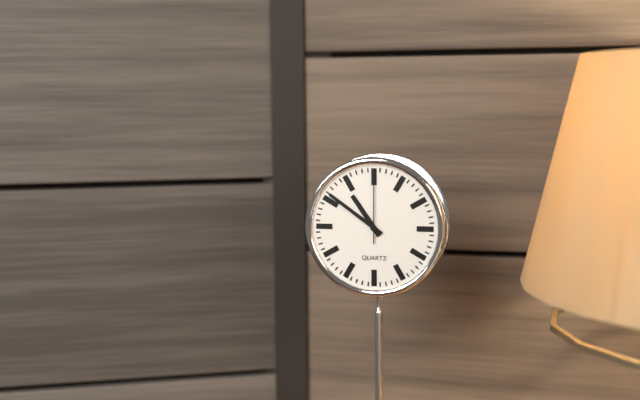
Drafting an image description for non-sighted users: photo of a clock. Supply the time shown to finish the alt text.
10:51:00
